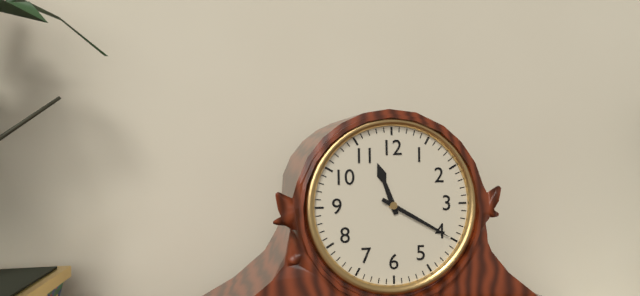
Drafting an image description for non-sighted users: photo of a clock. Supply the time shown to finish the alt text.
11:20
